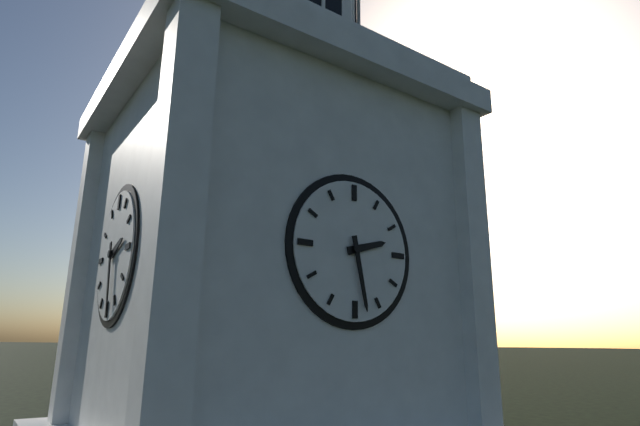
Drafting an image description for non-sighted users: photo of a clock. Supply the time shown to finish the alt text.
2:28
